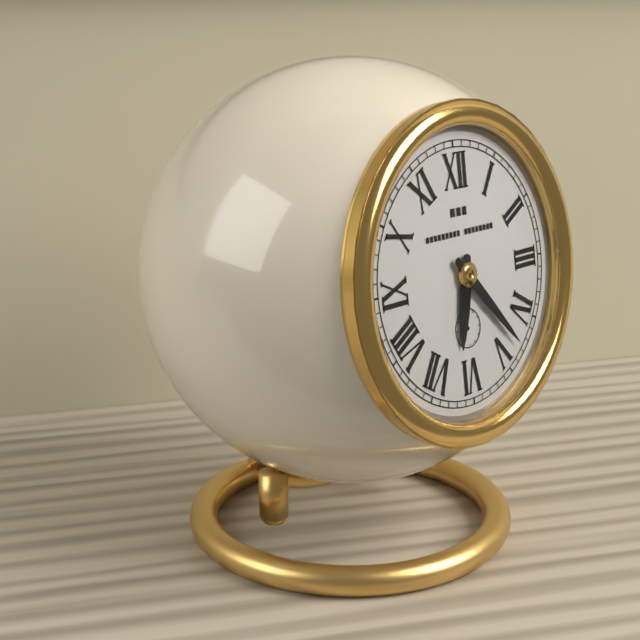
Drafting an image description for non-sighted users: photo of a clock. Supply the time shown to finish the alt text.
6:23
